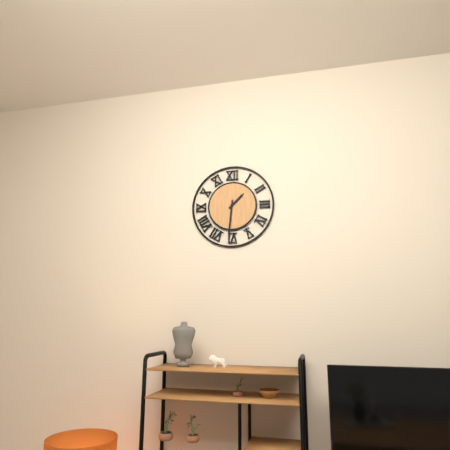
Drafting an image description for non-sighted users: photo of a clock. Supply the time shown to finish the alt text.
1:31
